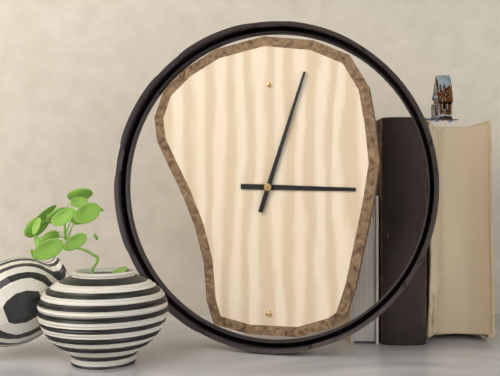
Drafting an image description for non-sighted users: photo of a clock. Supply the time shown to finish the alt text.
3:03
